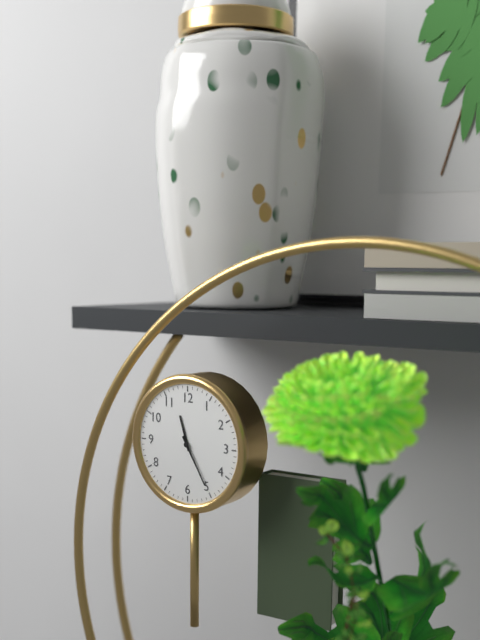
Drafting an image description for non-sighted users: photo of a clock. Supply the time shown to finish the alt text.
11:25
